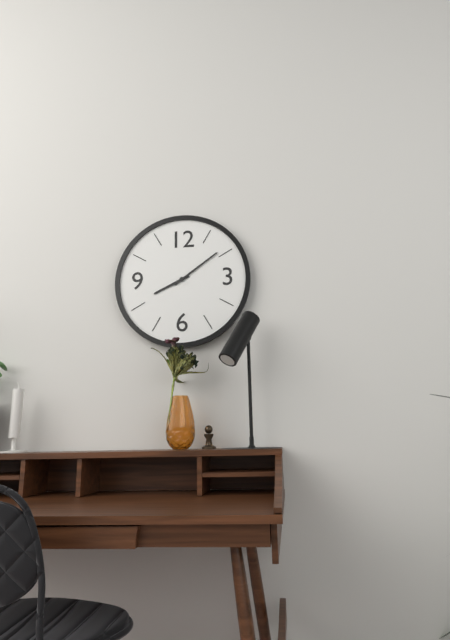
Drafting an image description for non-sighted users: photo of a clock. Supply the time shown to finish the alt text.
8:09
